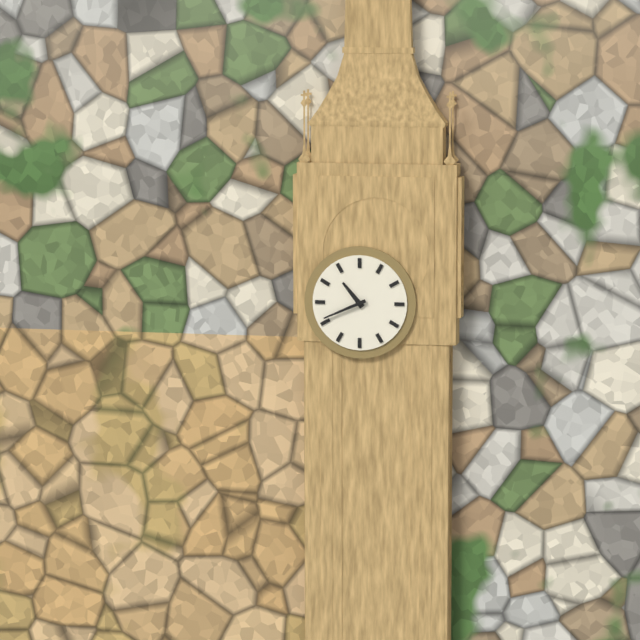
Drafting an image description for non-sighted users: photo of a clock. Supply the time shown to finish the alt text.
10:41
